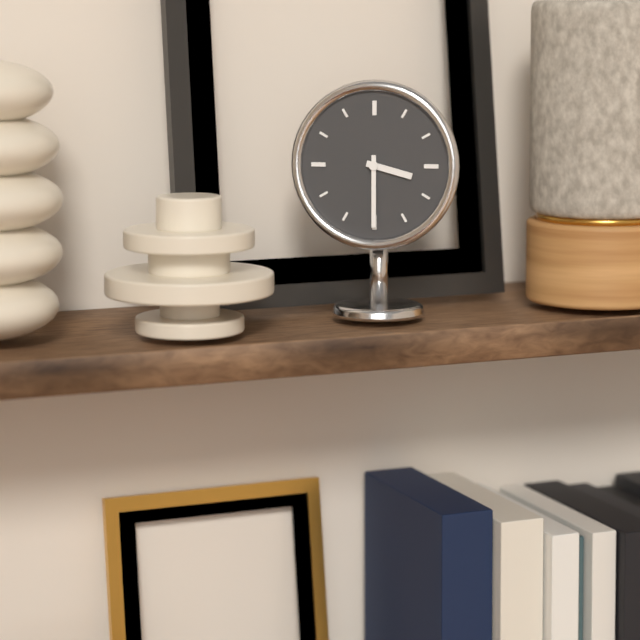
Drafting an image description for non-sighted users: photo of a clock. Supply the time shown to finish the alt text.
3:30
